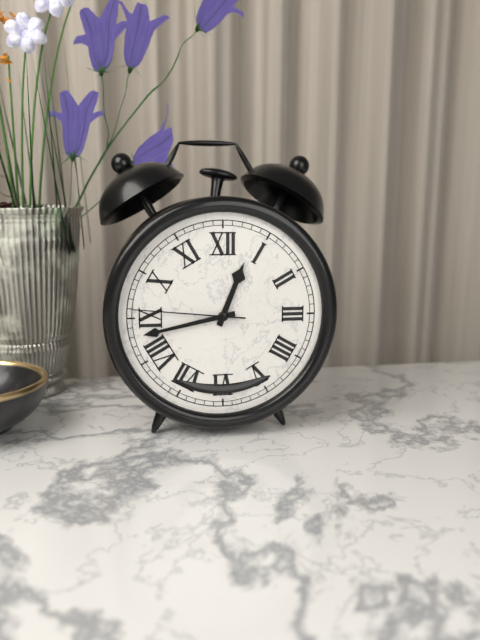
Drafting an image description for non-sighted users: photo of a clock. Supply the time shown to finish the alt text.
12:43:46
